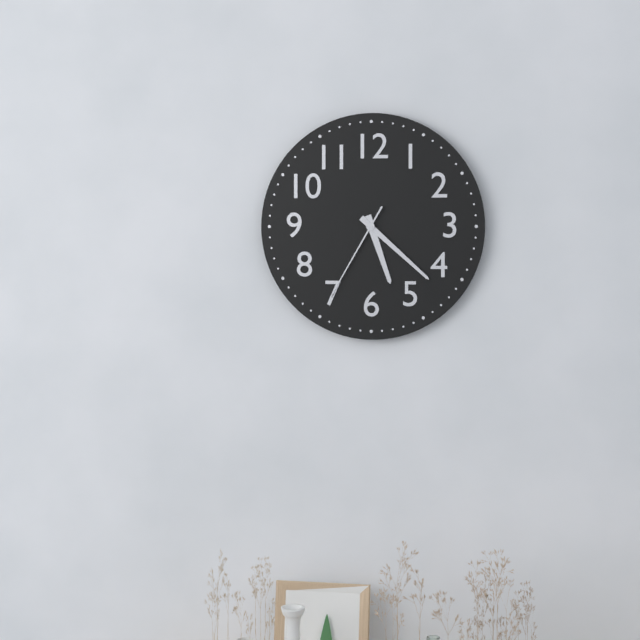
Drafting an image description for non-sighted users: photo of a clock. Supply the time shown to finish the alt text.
5:22:35
